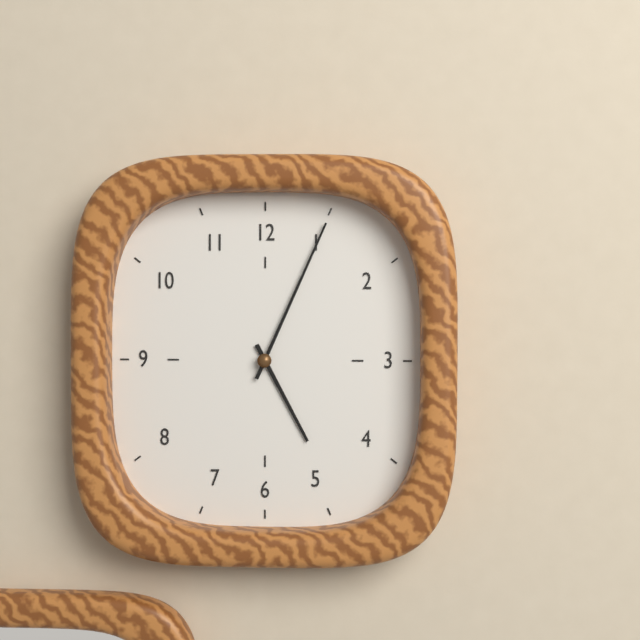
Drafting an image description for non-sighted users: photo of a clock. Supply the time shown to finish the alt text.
5:04
